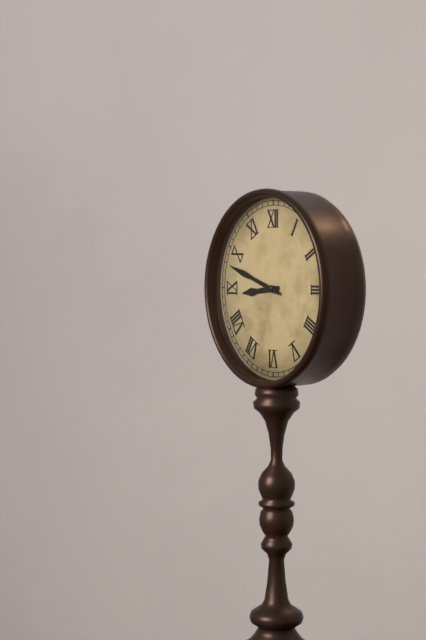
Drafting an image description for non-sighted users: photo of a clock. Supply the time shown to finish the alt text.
8:48
